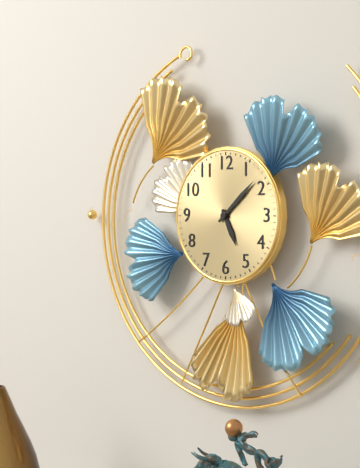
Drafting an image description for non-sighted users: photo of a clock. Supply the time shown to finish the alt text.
5:08
